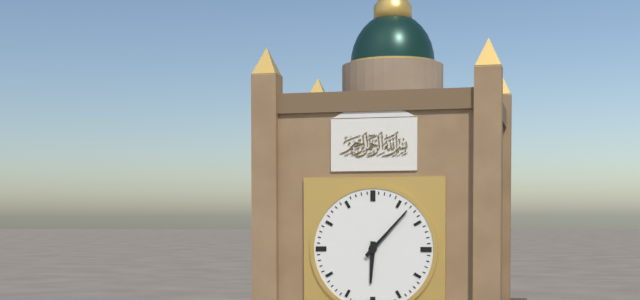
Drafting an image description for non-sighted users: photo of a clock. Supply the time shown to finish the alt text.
6:07
